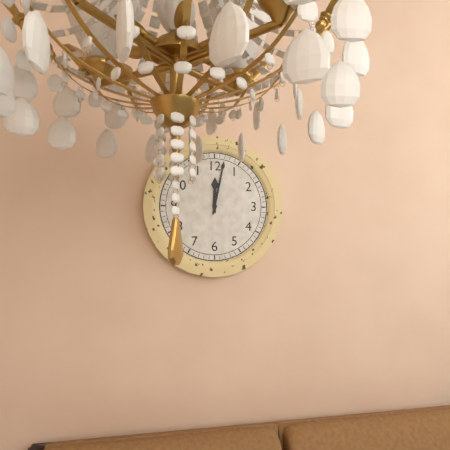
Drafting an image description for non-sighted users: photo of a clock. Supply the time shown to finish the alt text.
12:02
